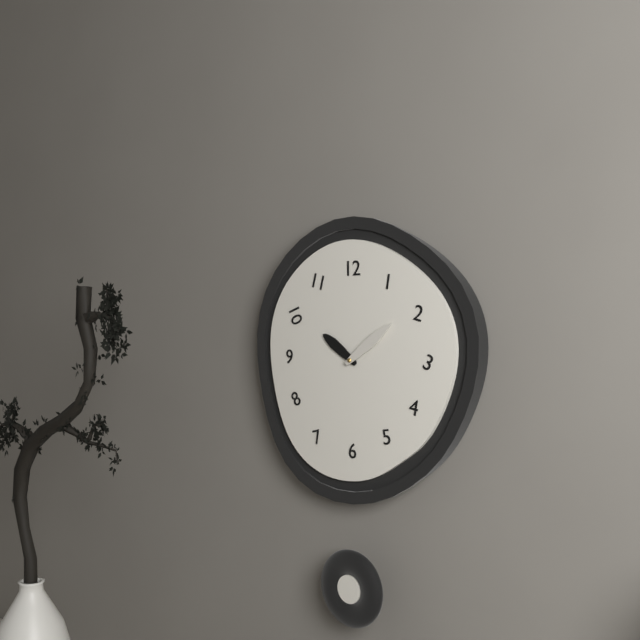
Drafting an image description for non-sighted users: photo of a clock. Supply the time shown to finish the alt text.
10:09
